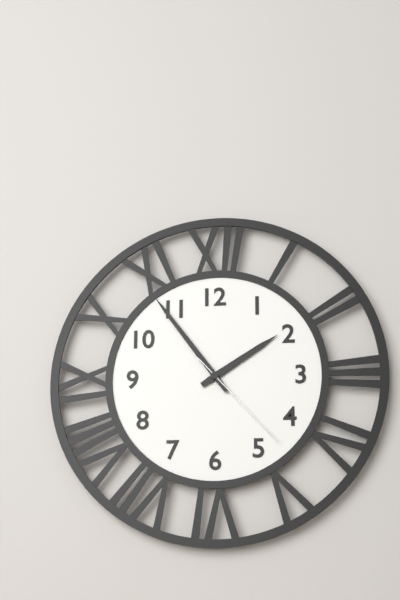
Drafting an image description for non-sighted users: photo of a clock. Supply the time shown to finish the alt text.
1:54:23
